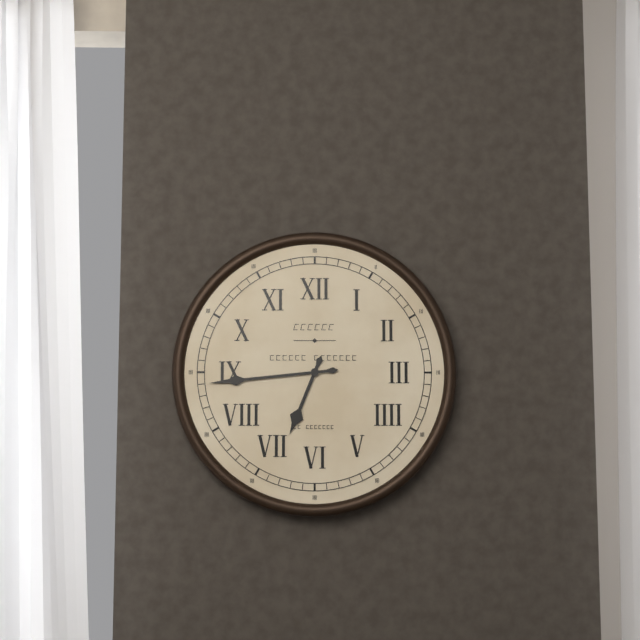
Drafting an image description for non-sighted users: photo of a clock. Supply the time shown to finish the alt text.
6:44
